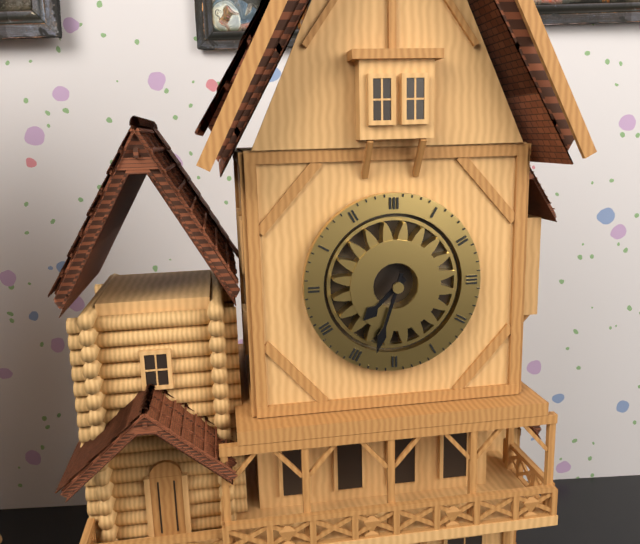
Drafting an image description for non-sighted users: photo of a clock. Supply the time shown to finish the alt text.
7:33
